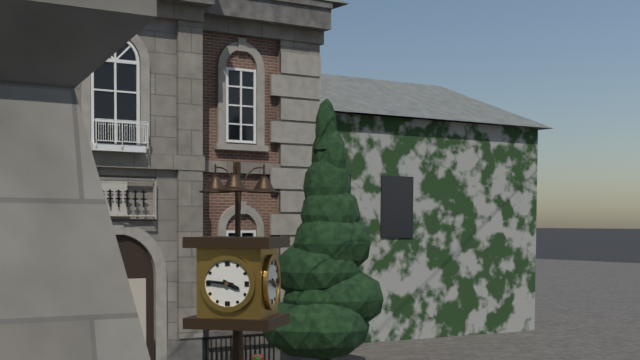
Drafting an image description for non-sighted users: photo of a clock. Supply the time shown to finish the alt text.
3:46
